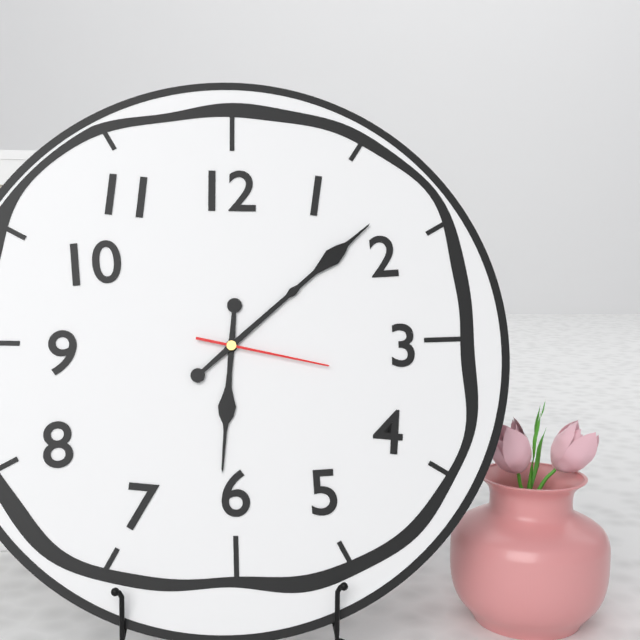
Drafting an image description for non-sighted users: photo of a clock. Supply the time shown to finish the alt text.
6:08:17
